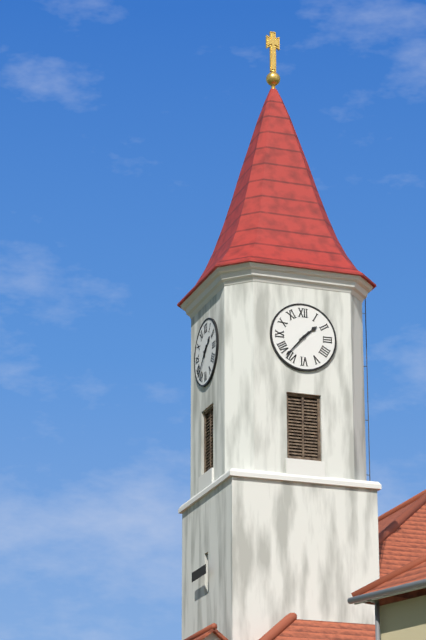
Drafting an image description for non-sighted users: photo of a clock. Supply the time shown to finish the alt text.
1:37
